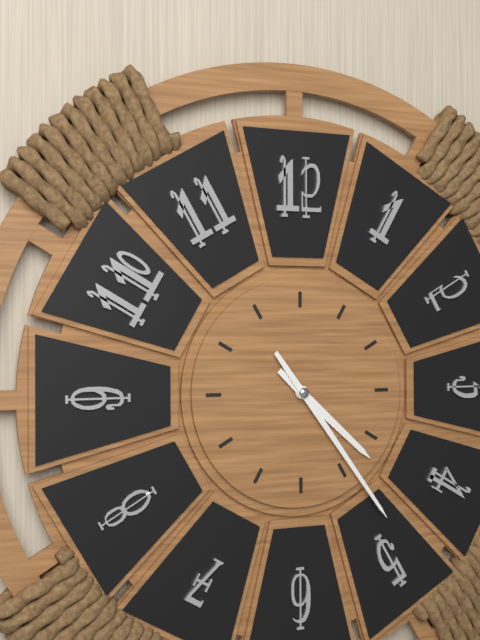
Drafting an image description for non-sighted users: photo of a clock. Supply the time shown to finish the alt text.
4:24
